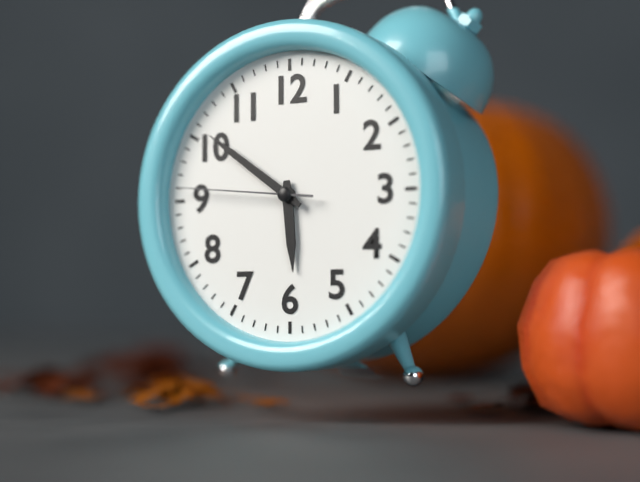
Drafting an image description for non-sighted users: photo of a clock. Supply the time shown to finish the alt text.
5:51:46
